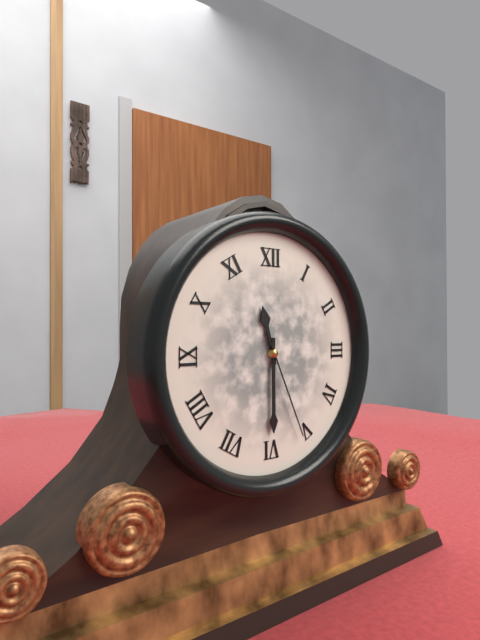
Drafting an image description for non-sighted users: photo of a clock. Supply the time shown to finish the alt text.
11:30:26
